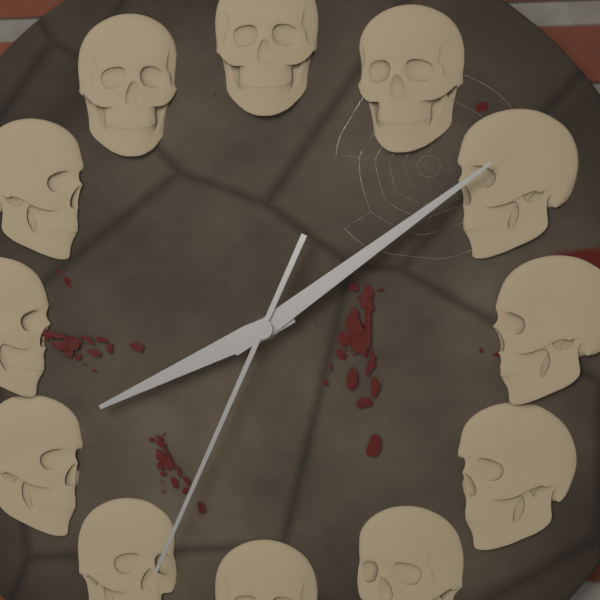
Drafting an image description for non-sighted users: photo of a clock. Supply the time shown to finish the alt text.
8:09:34
